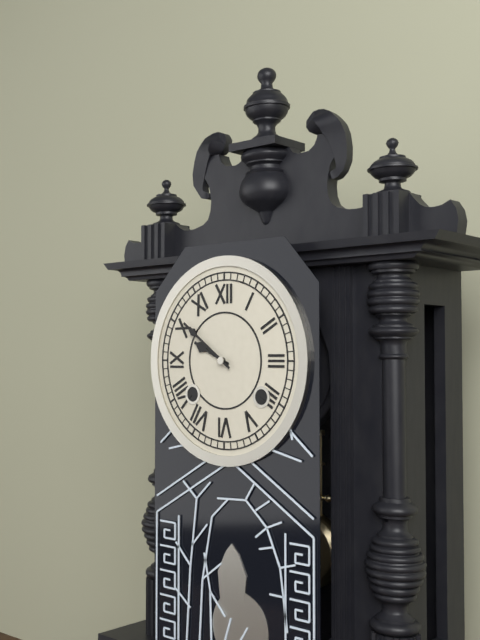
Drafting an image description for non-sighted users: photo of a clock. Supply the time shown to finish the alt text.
9:51
